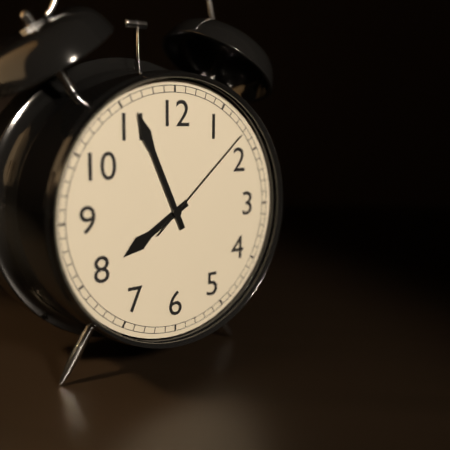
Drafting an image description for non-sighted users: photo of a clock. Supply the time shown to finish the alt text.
7:56:08
